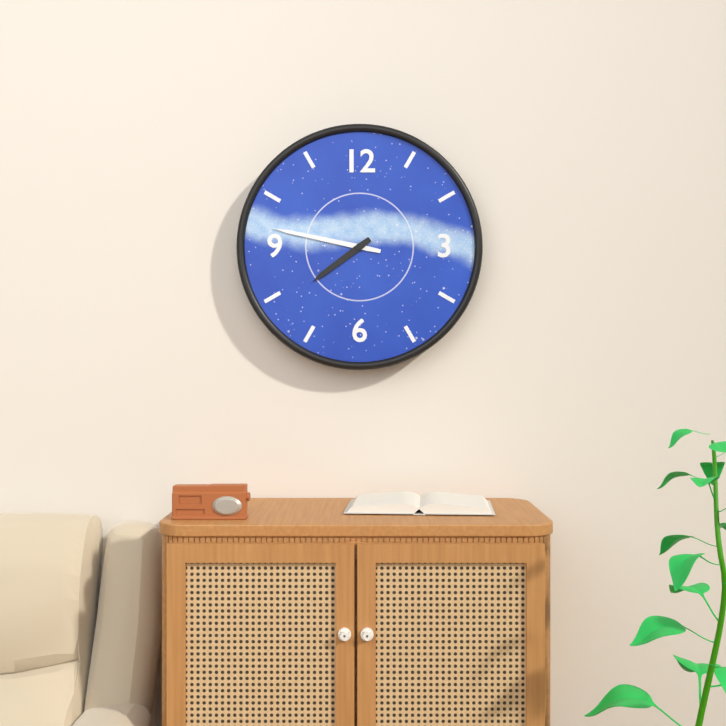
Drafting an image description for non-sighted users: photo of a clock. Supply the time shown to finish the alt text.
7:47
